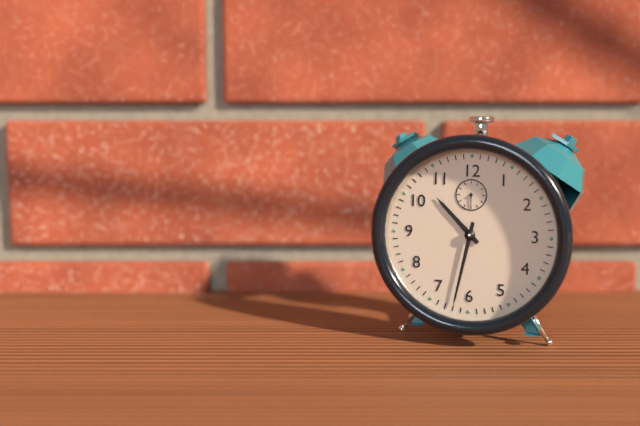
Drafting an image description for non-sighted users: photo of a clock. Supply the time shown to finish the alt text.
10:32
